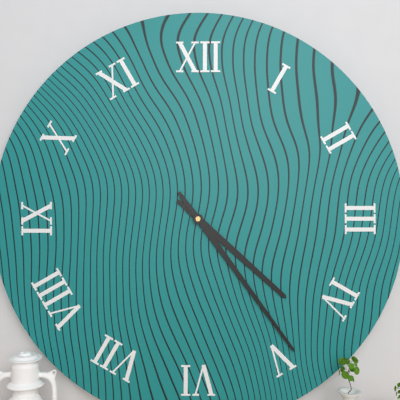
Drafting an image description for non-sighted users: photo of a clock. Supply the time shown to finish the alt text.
4:24
